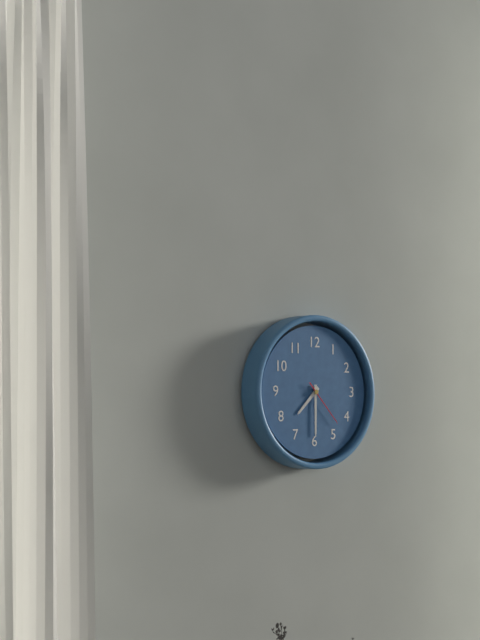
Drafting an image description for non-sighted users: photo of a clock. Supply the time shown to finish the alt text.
7:30
